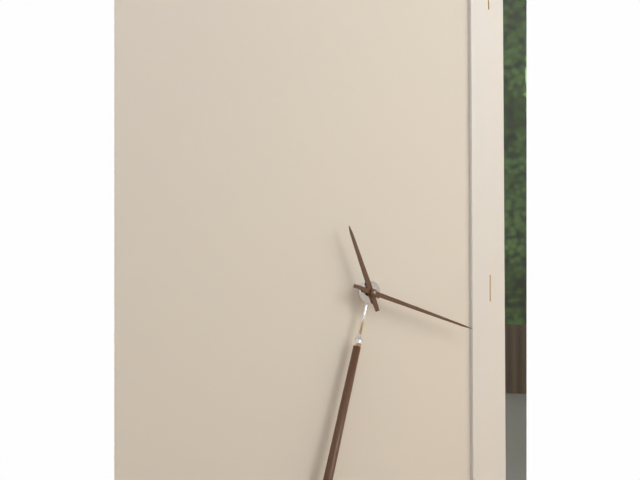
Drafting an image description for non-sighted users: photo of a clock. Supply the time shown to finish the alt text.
11:18
